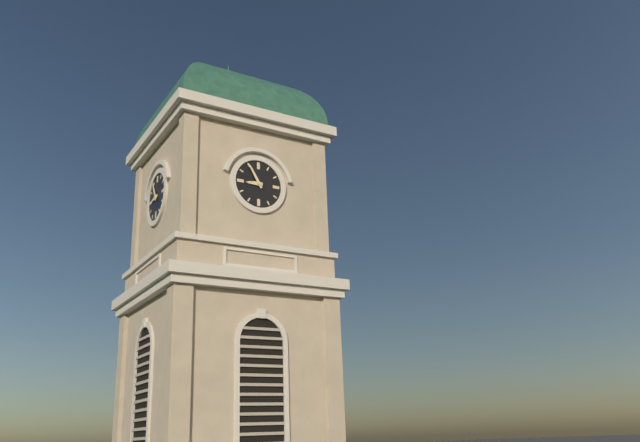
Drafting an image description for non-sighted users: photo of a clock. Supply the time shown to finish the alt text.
8:55
